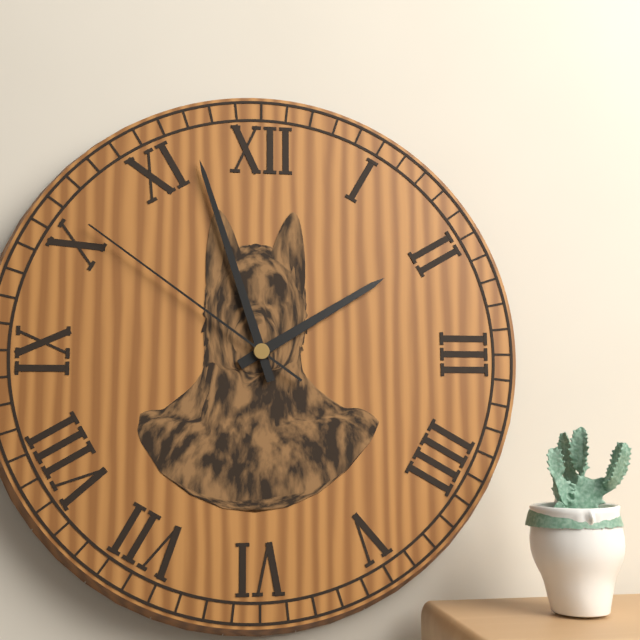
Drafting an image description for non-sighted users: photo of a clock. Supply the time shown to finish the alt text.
1:57:51
